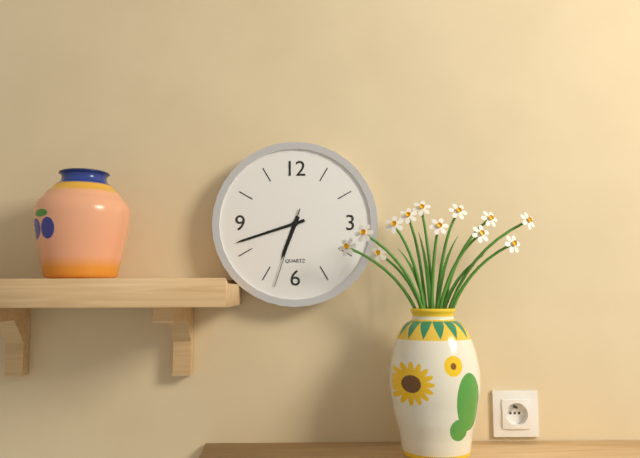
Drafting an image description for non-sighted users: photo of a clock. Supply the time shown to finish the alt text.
6:42:33
